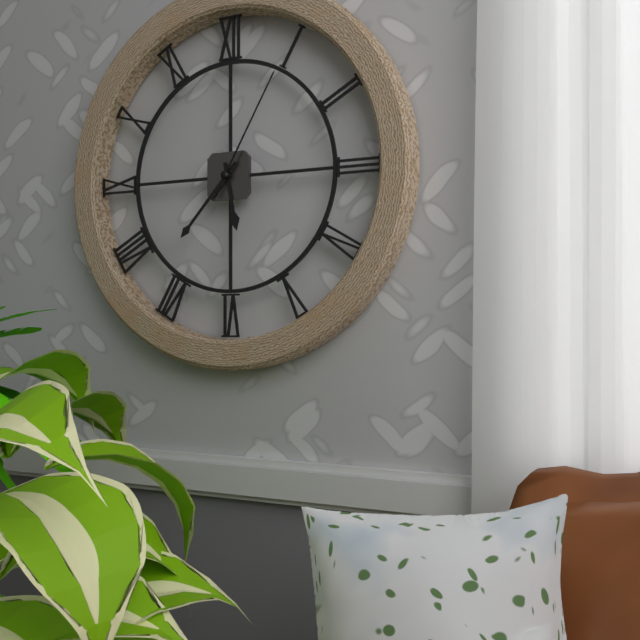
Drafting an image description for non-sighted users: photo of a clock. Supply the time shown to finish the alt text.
5:37:05
